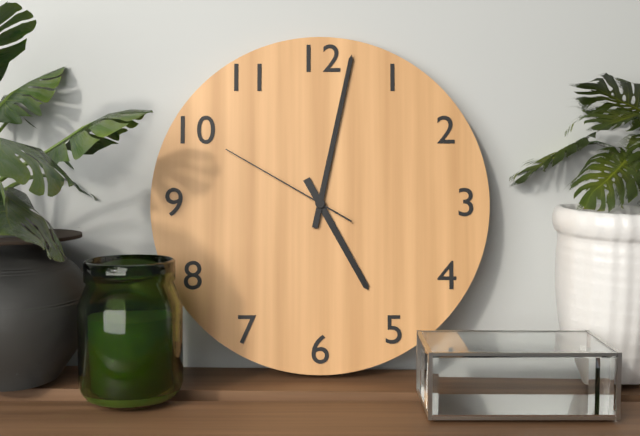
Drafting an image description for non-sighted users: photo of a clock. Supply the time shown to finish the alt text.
5:02:50
